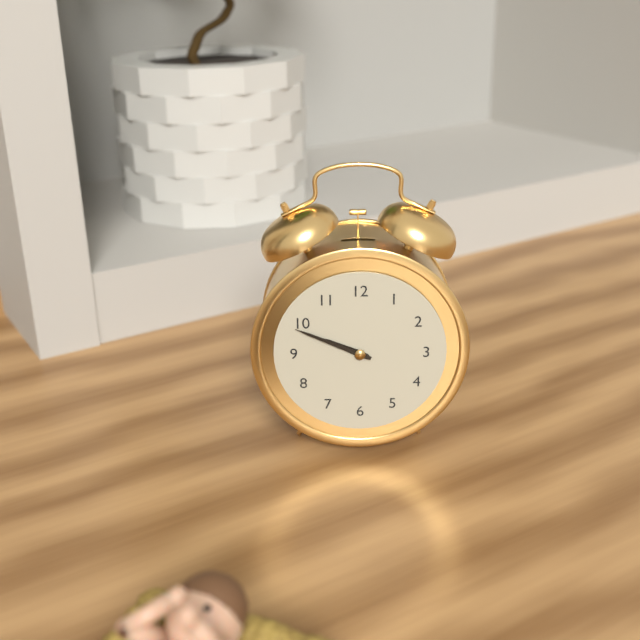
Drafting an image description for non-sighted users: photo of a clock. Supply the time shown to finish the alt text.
9:49
